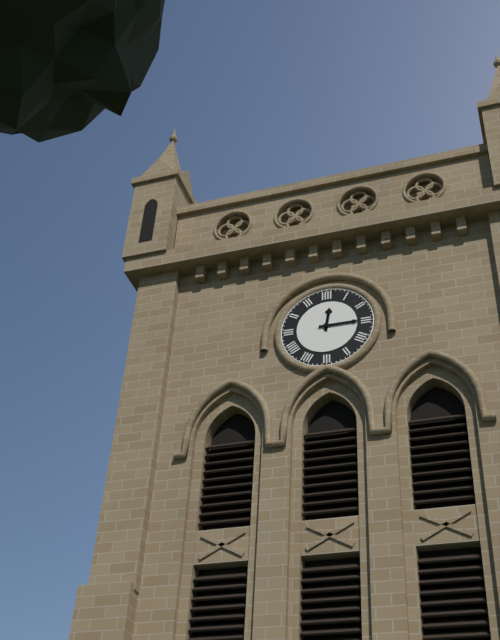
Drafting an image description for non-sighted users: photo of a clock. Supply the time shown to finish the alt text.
12:15
